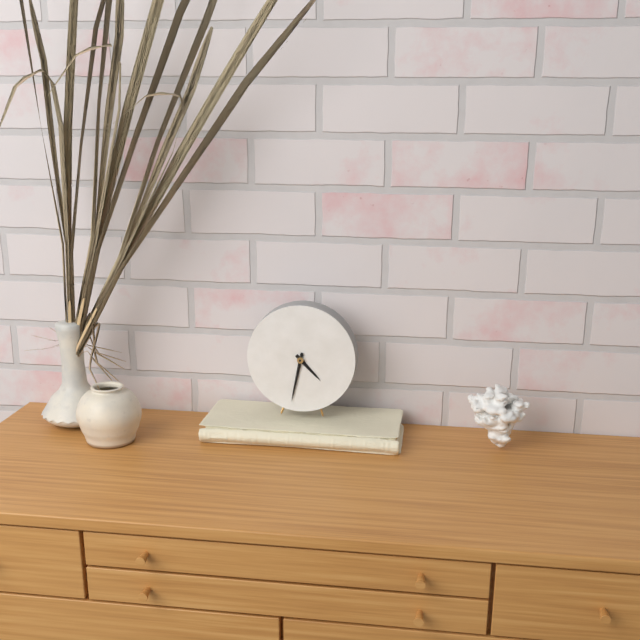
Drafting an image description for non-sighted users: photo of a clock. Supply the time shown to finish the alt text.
4:32
